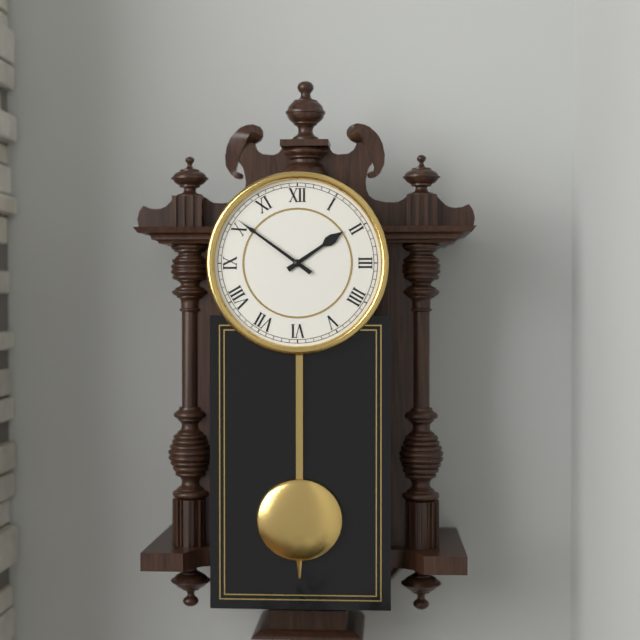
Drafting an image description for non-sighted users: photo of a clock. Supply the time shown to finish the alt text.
1:51
